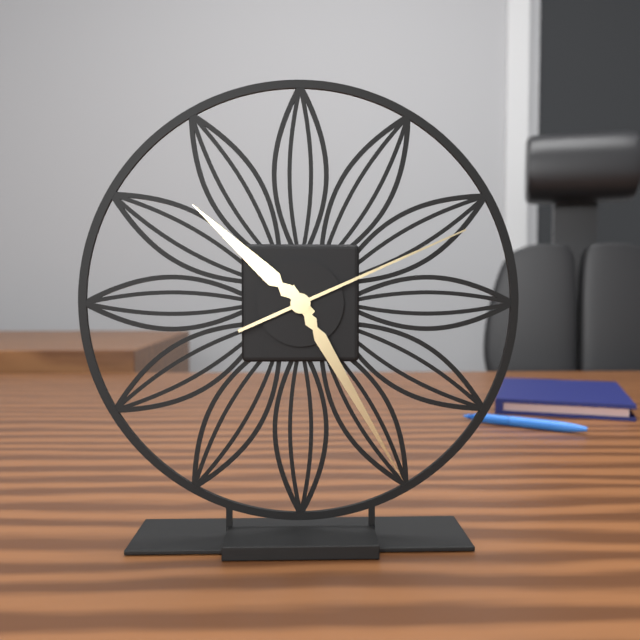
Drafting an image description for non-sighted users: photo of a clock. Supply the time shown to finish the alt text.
10:25:11
